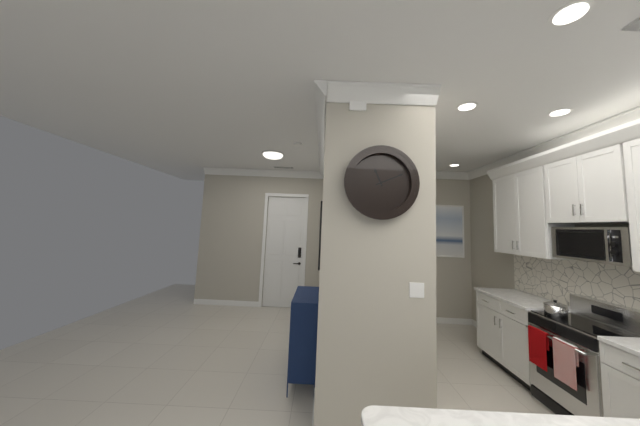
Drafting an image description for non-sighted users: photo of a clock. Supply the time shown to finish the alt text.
11:11
